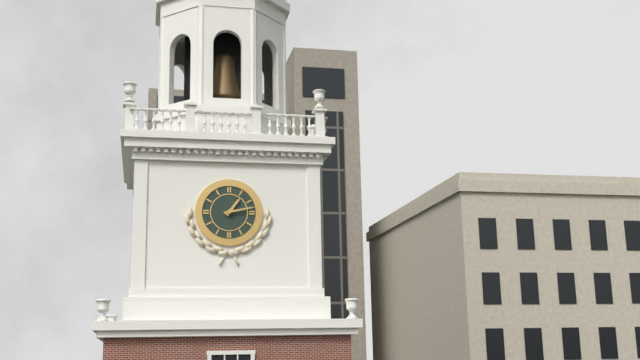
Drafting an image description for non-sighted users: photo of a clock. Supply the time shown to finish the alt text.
1:13
